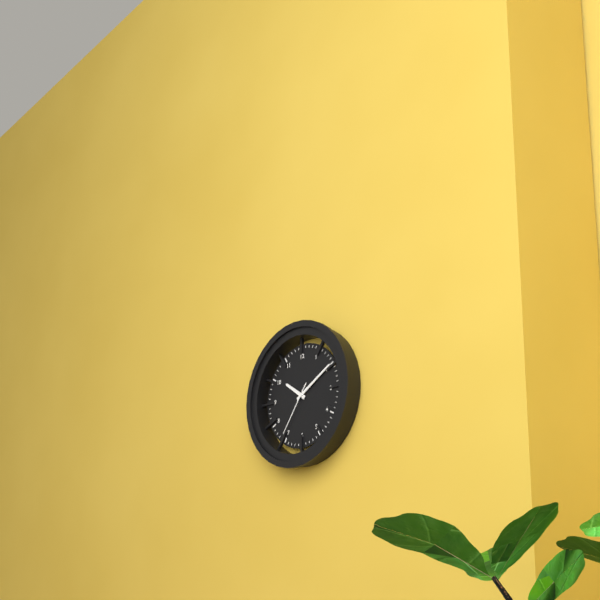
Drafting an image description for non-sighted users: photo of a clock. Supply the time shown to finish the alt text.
10:10:36
